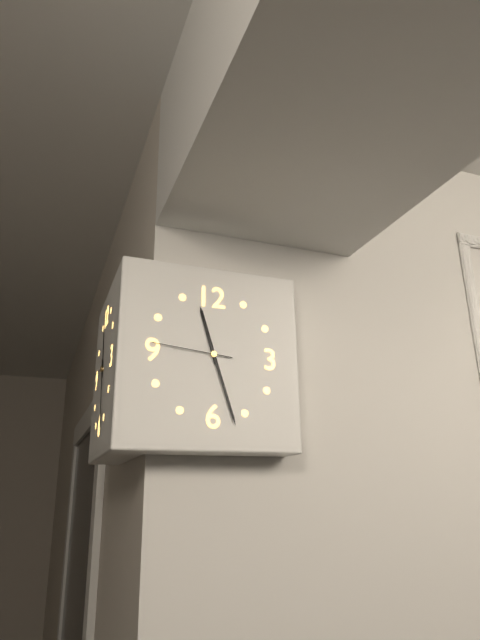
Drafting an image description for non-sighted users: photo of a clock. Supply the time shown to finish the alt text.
11:27:46
